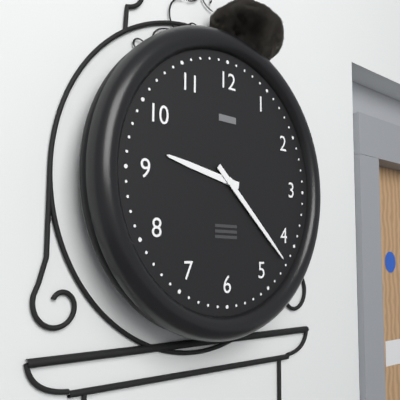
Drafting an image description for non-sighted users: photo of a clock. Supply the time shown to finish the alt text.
9:22
